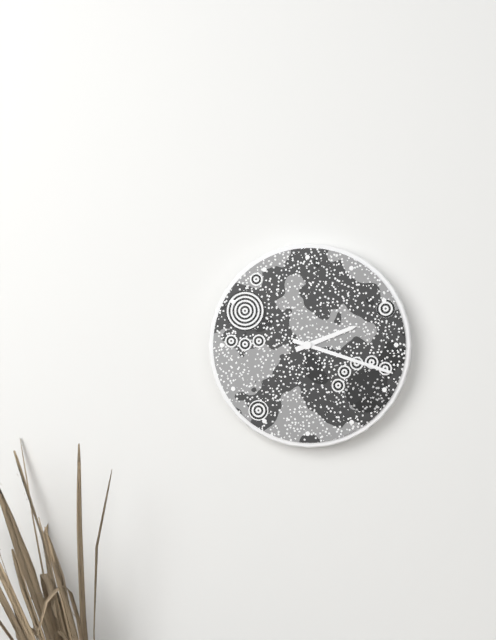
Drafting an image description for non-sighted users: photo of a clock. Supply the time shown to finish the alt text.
2:18
